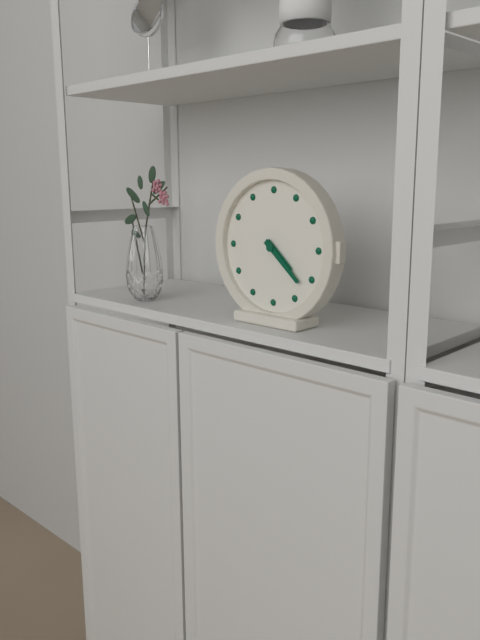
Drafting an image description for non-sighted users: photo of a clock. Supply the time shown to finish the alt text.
4:22
